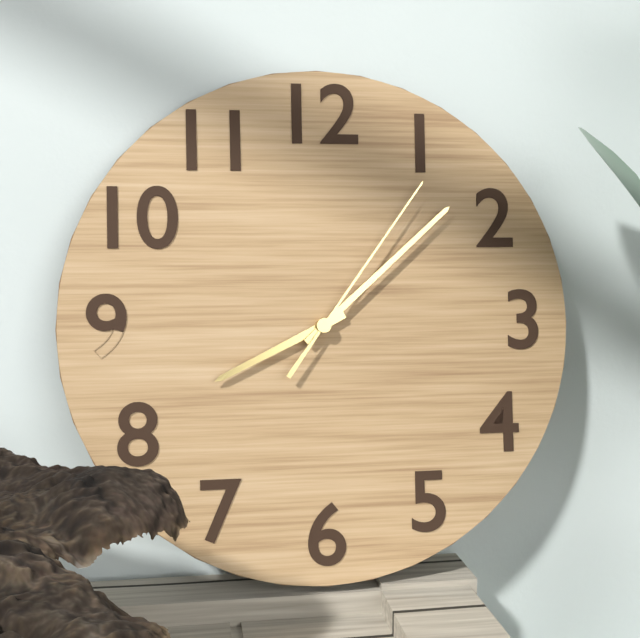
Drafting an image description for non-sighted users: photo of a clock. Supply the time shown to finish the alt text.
8:08:06
